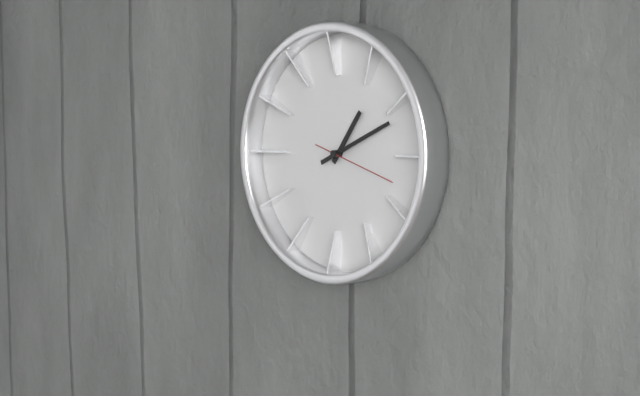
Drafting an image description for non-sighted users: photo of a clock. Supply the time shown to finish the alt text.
1:11:18
